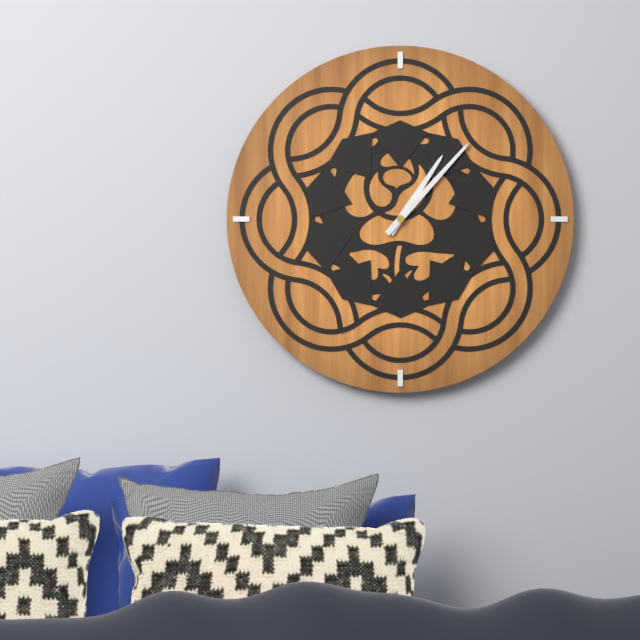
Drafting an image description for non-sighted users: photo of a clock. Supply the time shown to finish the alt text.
1:07
